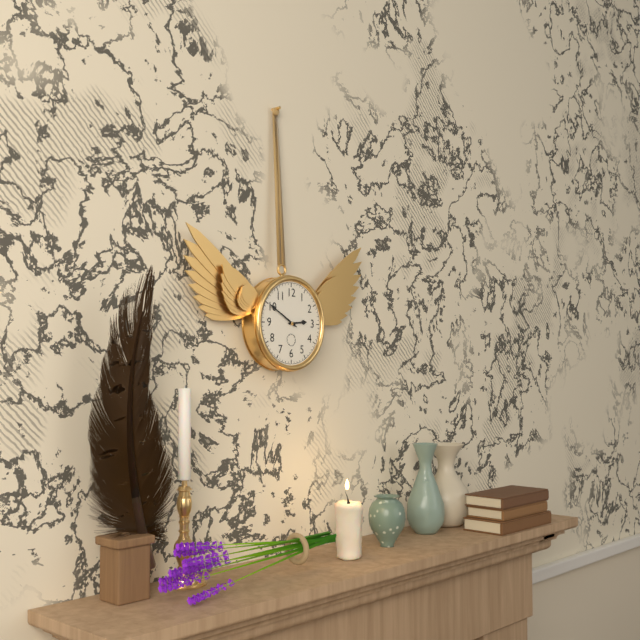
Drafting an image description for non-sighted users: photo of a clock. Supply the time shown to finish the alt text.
2:50
